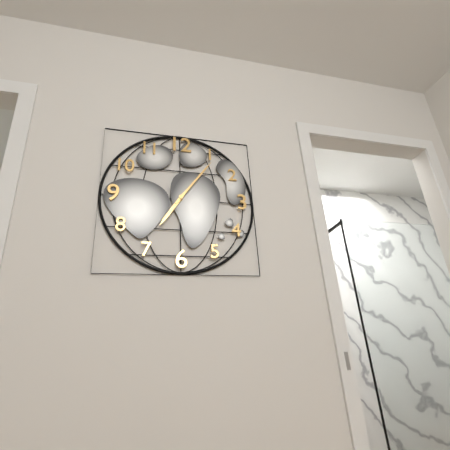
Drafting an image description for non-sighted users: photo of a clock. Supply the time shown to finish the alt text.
7:06
